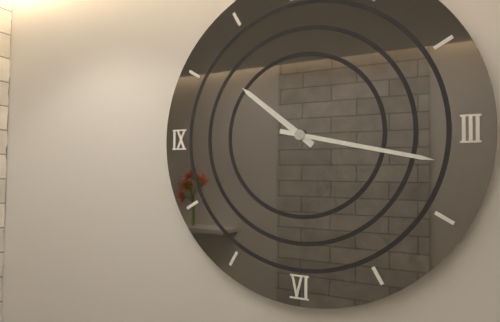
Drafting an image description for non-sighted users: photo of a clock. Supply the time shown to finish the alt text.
10:17
